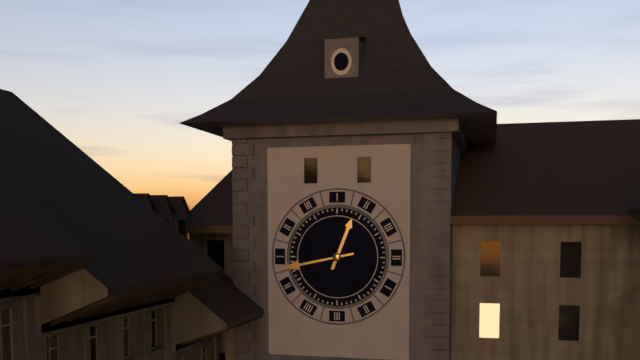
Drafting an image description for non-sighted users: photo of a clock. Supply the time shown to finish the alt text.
12:43
